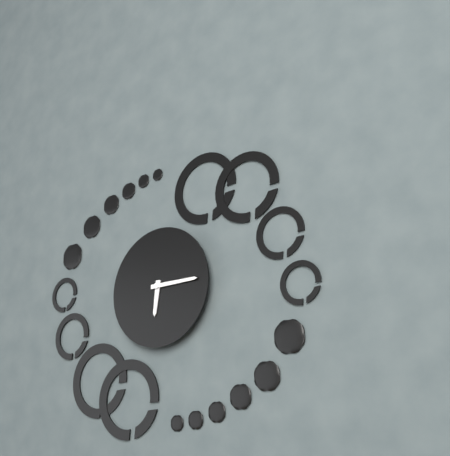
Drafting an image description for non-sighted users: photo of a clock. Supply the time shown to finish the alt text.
6:15
